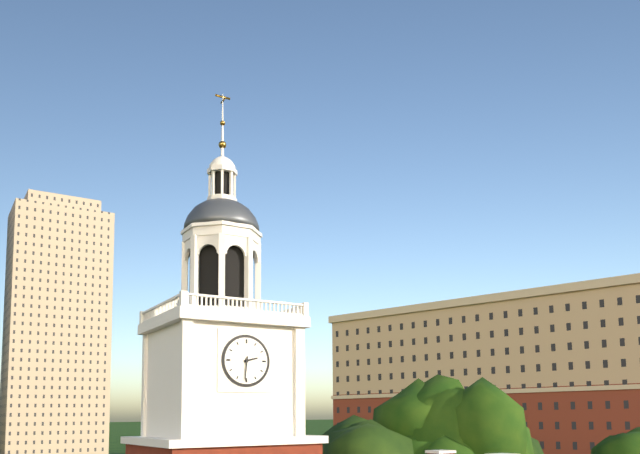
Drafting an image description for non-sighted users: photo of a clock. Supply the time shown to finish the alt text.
2:31
